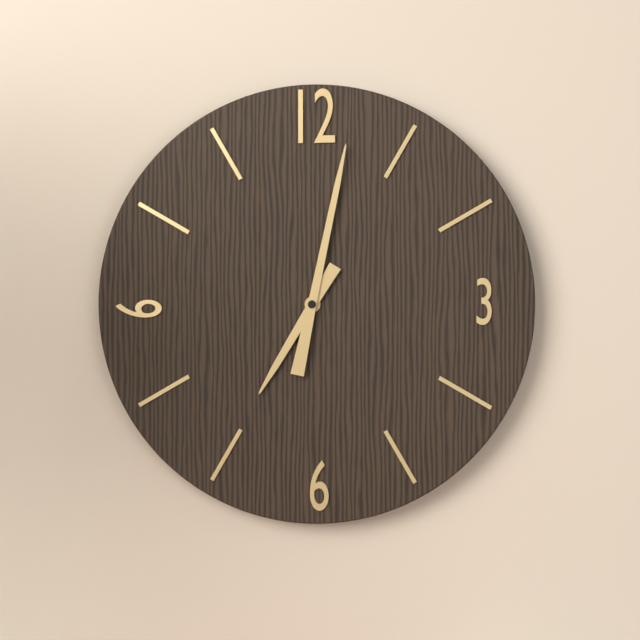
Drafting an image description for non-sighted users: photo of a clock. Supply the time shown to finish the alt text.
7:02
